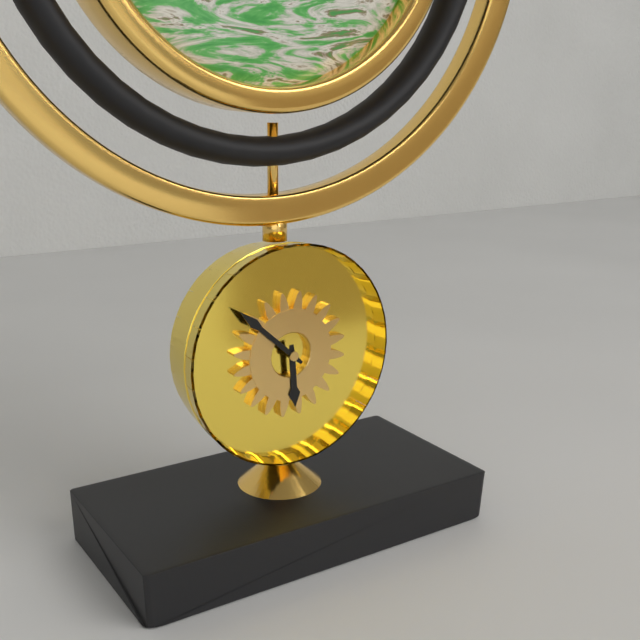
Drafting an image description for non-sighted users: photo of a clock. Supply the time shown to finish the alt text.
5:52
